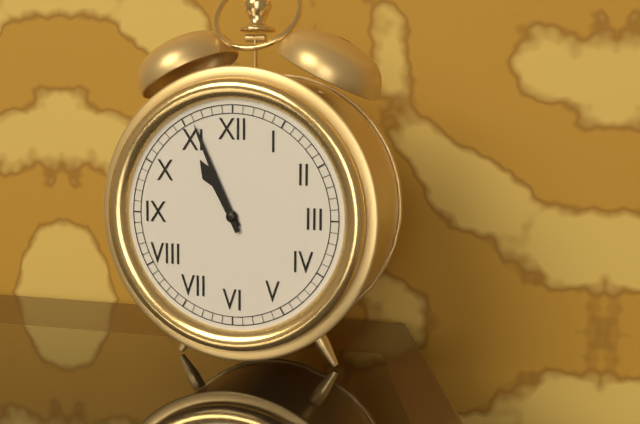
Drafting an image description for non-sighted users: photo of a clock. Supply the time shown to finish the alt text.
10:56
